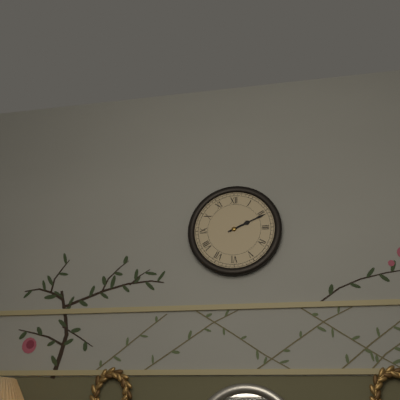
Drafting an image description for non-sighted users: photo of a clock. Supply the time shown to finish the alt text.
2:11
